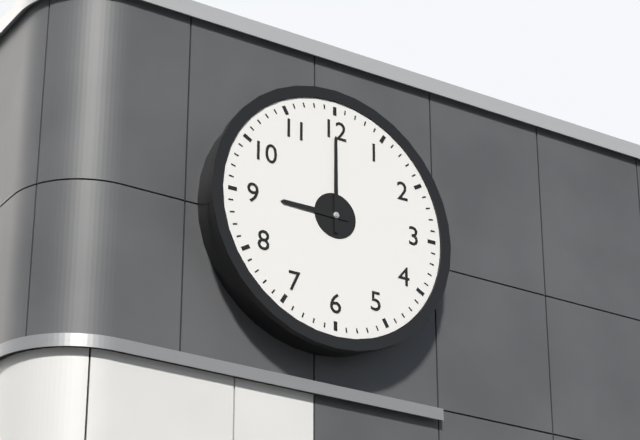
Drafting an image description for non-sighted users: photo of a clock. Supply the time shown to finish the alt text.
9:00
